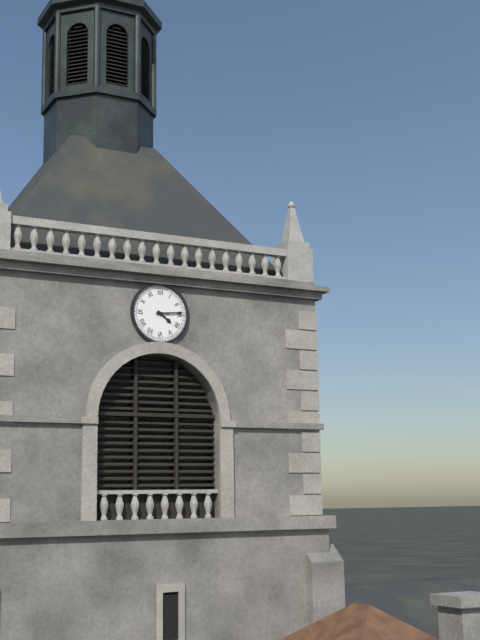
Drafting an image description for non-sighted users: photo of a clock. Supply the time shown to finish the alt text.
4:14
